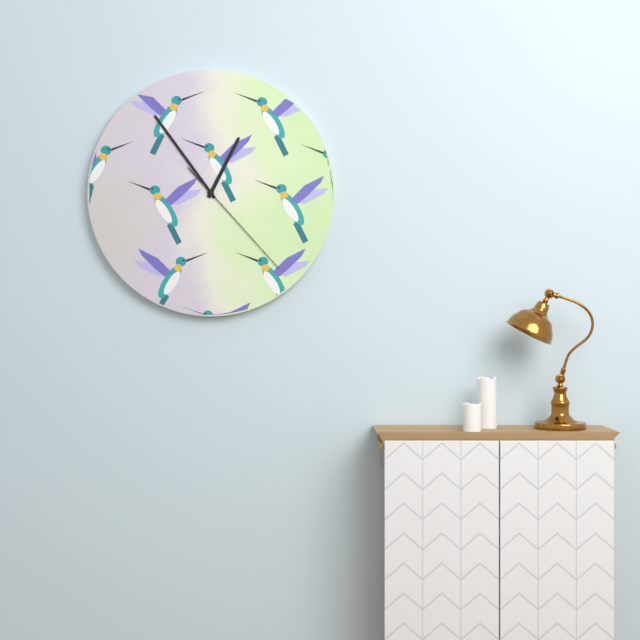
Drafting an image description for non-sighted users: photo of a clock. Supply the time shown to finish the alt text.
12:54:23
